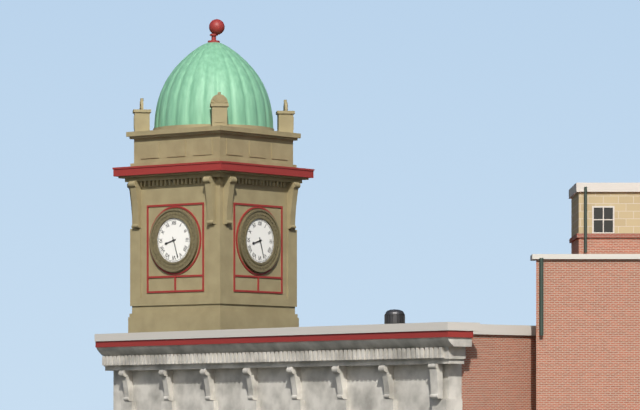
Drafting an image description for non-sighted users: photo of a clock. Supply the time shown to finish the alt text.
8:27
